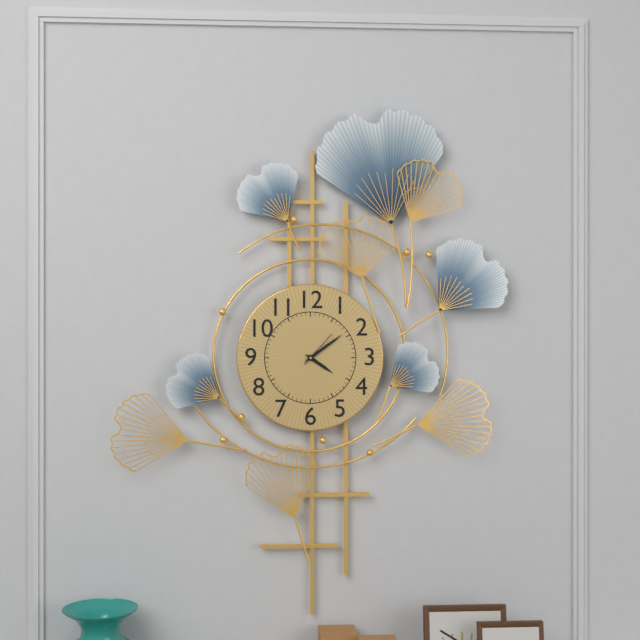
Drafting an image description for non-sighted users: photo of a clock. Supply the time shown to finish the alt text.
4:09
